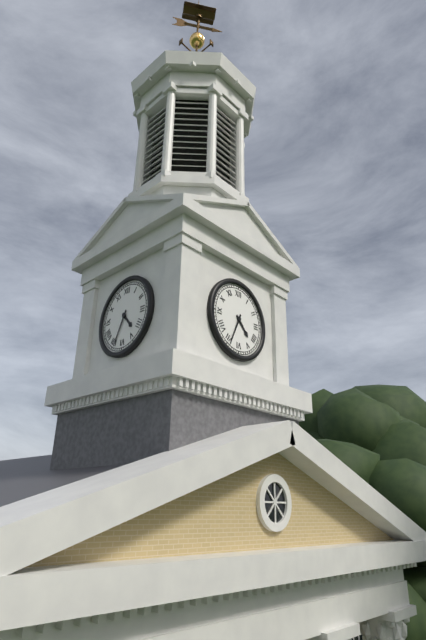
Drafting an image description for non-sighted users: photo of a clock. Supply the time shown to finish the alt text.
4:34
